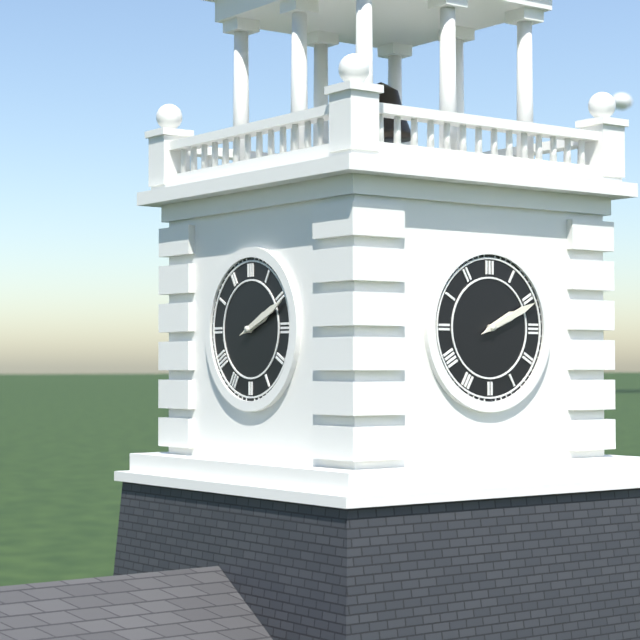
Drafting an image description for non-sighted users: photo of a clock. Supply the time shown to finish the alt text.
2:11
